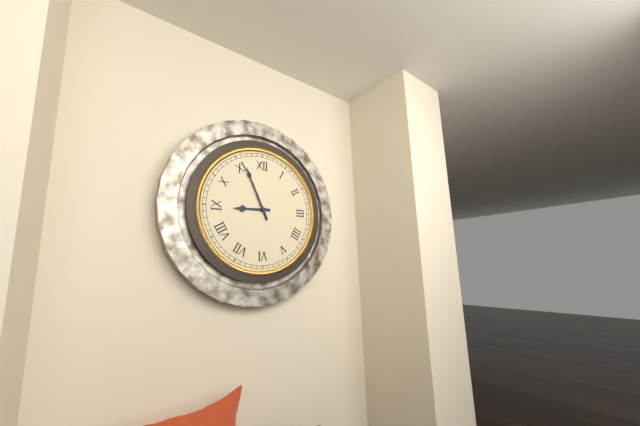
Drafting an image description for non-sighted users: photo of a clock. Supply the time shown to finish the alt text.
8:56
